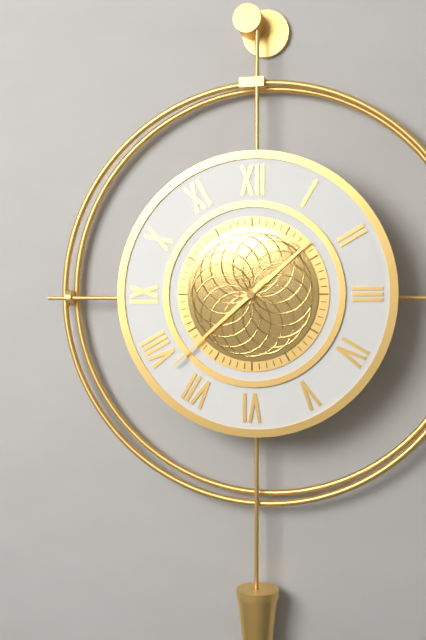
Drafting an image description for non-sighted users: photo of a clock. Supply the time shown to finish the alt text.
1:38
